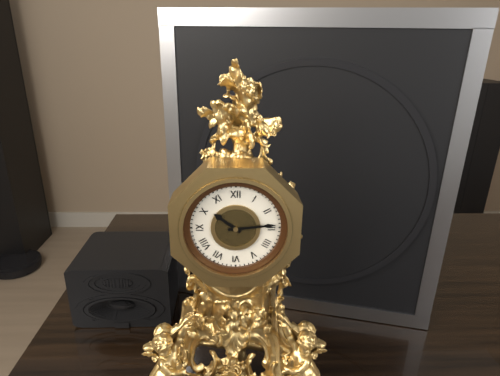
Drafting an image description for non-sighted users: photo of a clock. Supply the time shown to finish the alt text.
10:14
